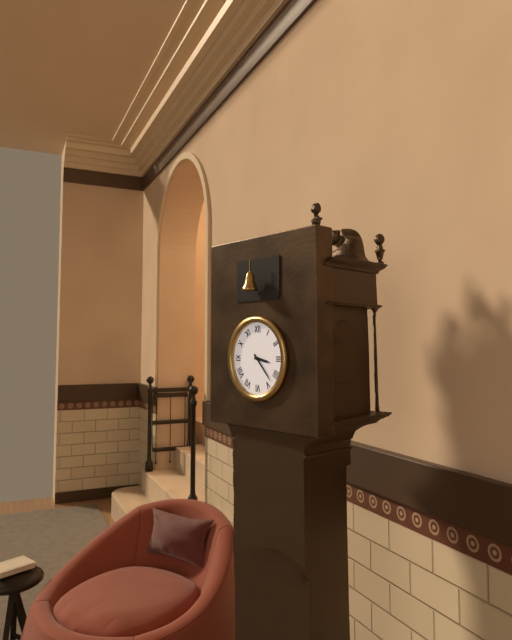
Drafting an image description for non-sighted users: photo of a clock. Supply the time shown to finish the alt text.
3:23
